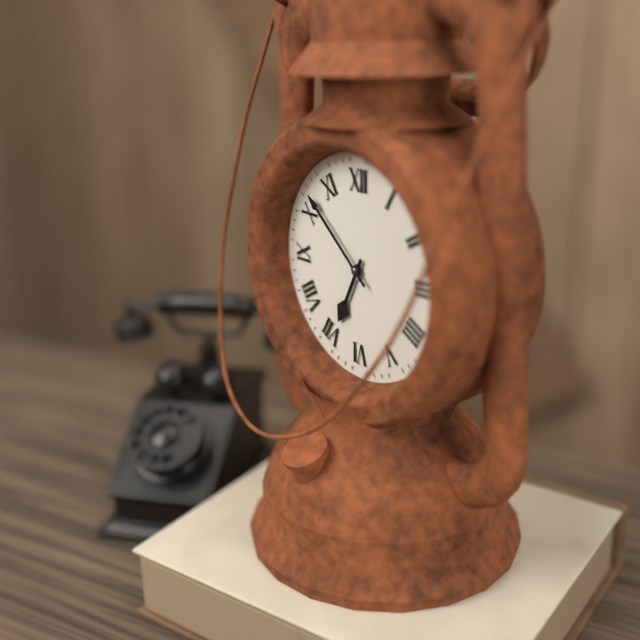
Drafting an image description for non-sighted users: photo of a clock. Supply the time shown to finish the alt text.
6:52
